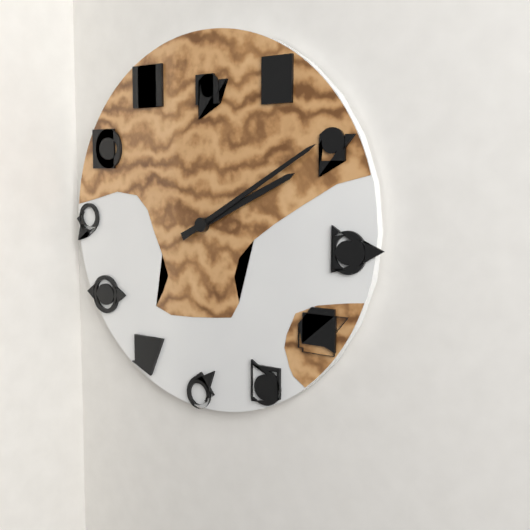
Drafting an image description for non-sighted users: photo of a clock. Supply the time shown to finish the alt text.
2:10
